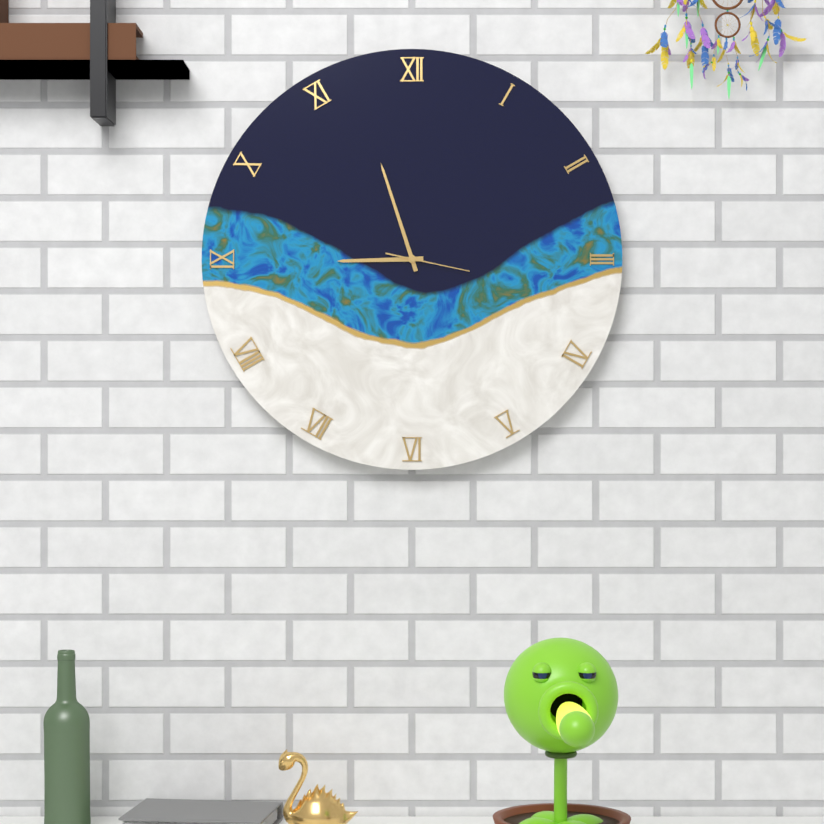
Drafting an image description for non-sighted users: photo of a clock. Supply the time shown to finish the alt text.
8:57:17
